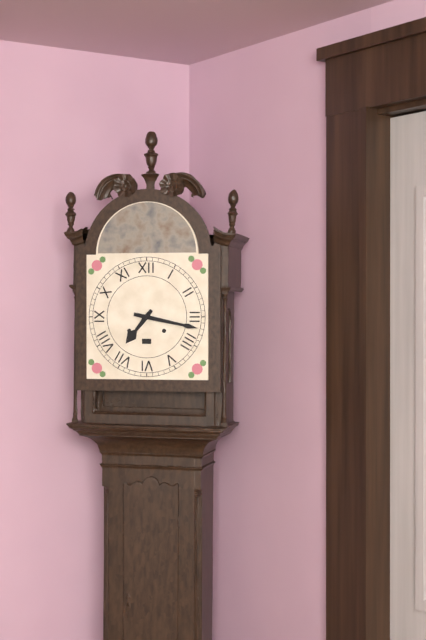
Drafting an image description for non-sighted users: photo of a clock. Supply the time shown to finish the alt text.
7:17
